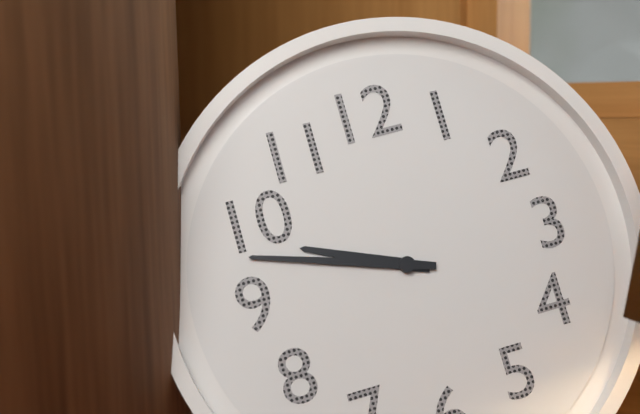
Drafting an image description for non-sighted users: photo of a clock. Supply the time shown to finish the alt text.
9:48
